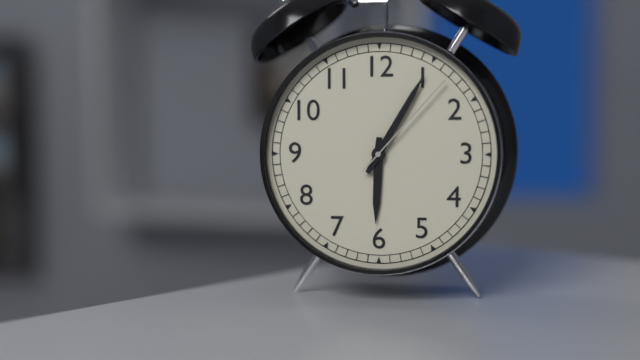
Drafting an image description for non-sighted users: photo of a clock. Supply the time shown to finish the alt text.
6:05:07
